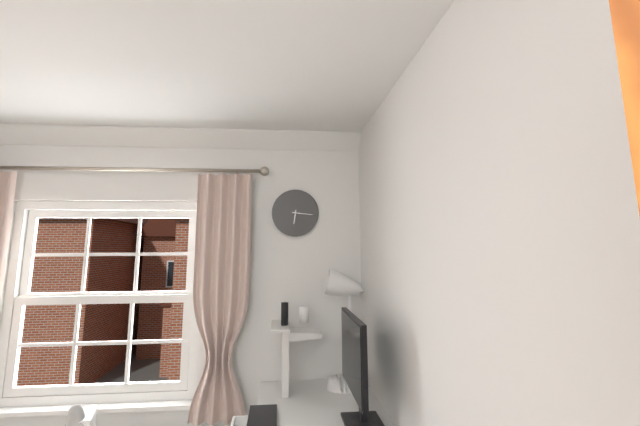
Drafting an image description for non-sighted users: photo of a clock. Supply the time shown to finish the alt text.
6:16
